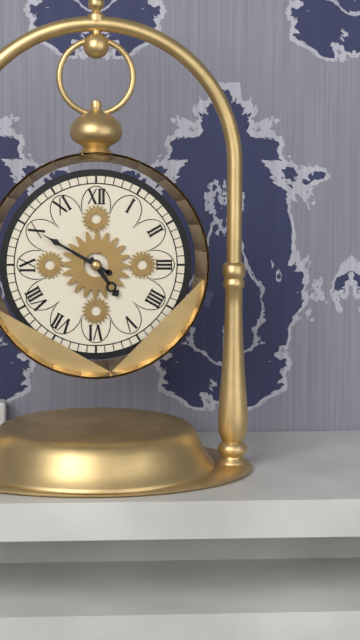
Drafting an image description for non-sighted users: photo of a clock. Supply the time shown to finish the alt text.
4:50
